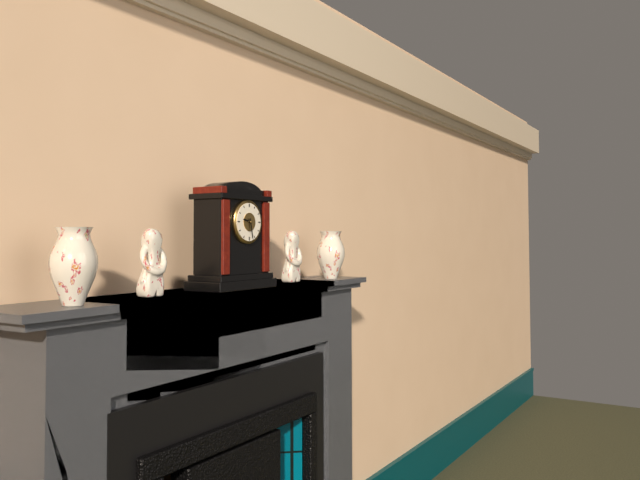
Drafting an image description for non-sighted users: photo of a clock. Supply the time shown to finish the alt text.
9:28
